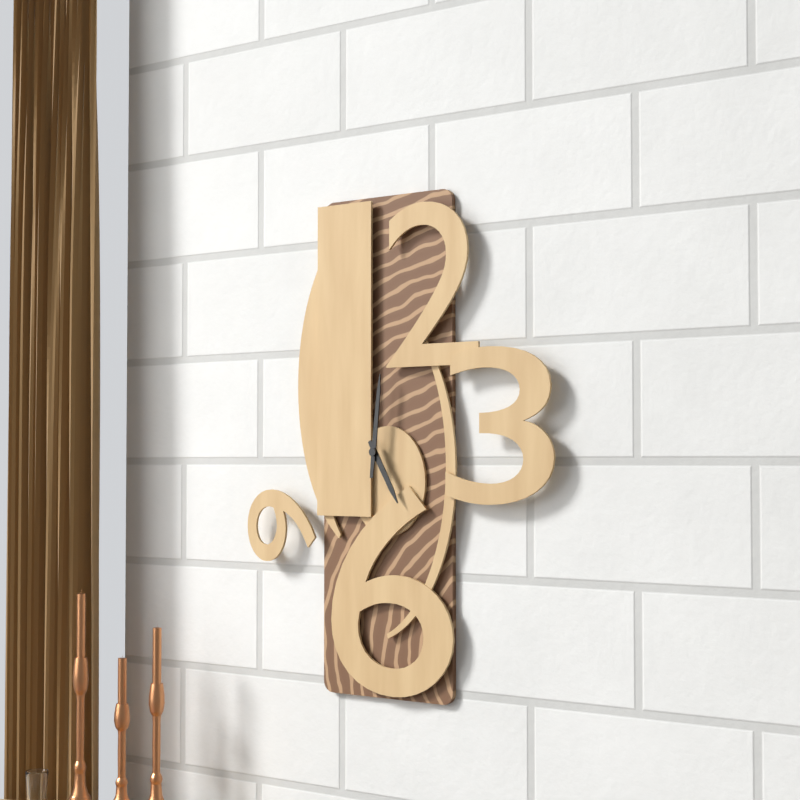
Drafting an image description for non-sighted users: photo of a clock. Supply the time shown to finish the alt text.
5:01
